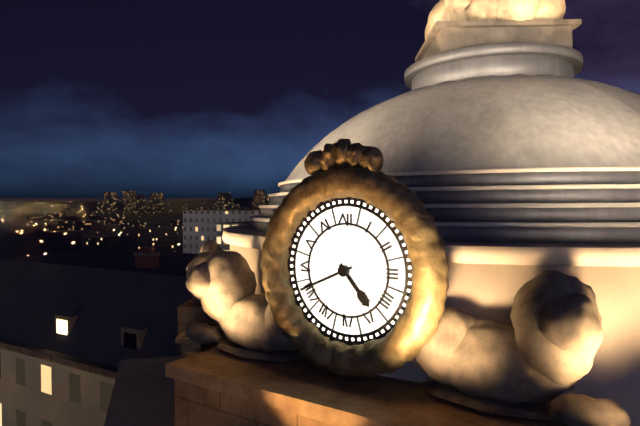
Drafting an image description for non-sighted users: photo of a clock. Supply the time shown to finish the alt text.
4:41
